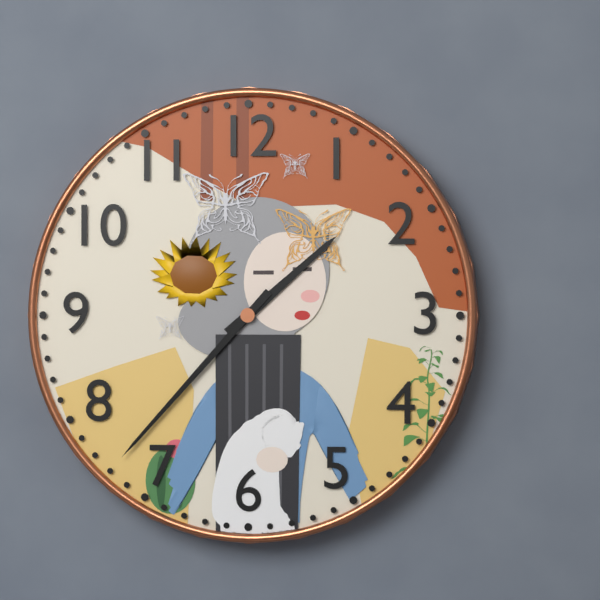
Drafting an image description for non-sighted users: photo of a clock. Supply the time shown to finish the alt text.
1:37
